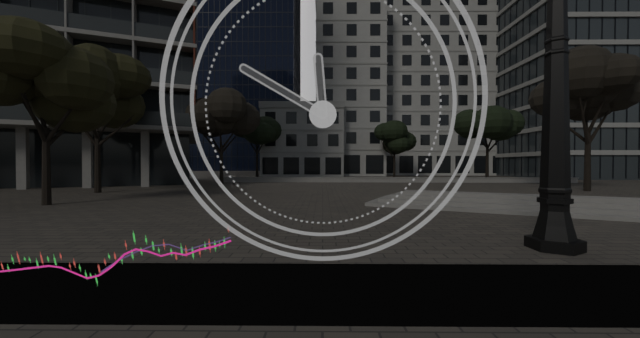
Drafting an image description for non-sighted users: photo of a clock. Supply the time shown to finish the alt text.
11:50
